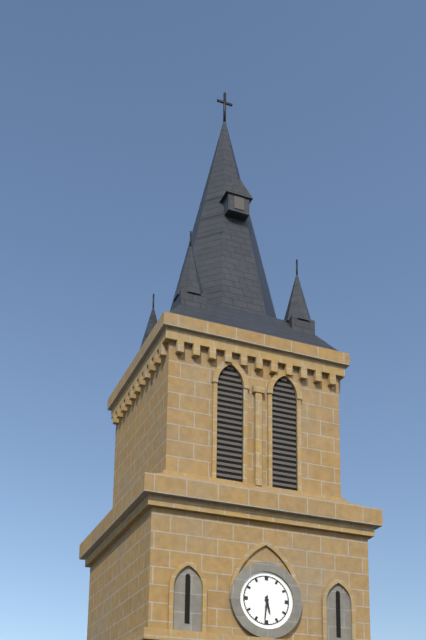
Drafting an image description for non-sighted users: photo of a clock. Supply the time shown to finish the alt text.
5:31
